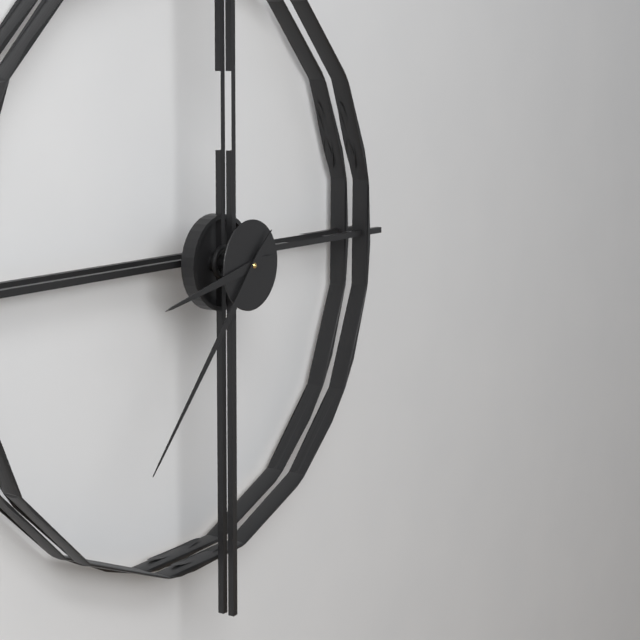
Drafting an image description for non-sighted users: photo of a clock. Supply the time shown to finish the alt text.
8:37
